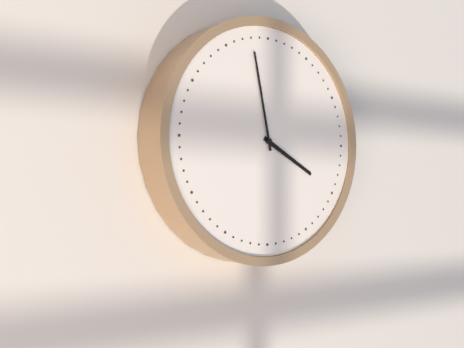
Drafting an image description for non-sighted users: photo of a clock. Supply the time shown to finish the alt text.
3:58
